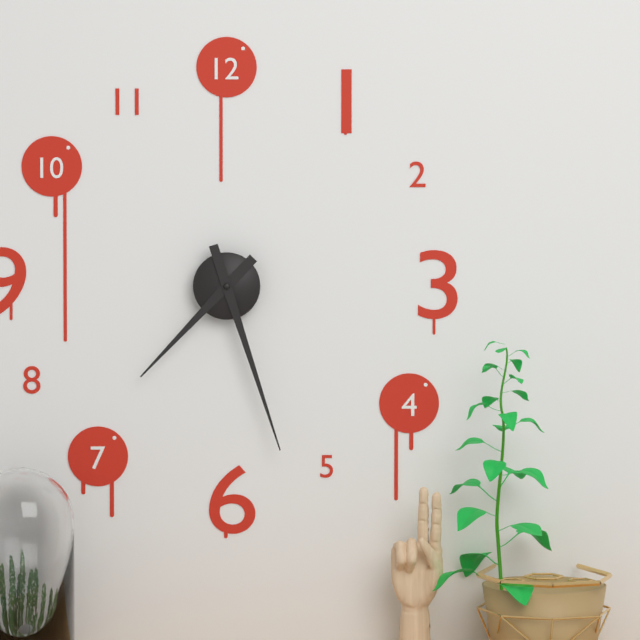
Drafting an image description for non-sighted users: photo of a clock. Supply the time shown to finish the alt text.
7:27
